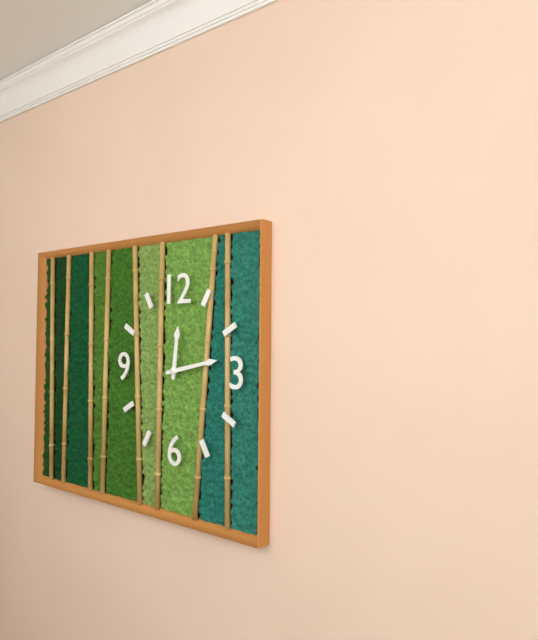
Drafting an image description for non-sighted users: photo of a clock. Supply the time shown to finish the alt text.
12:13
